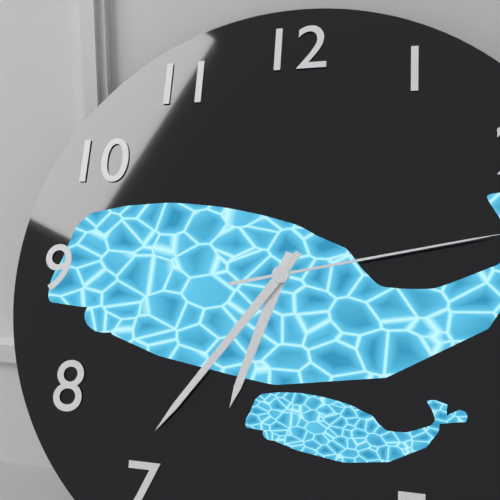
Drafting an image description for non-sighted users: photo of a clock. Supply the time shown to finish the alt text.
6:36
